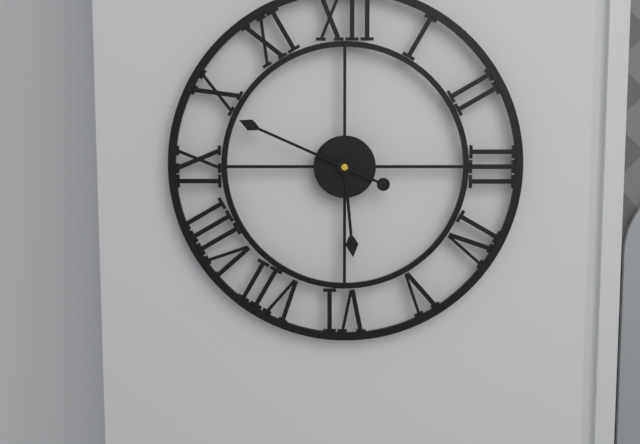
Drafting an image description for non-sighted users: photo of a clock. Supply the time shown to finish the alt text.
5:49
